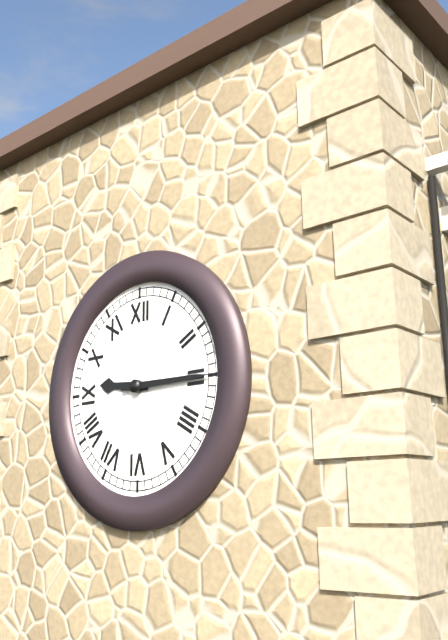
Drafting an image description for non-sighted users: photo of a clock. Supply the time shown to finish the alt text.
9:15
